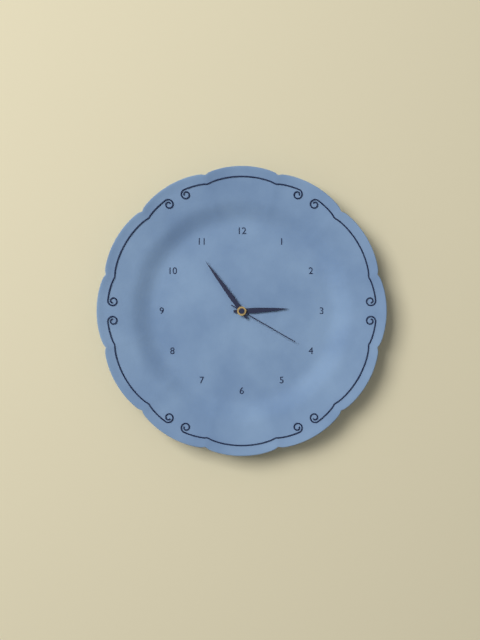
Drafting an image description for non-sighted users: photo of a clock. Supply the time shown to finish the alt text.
2:54:20
